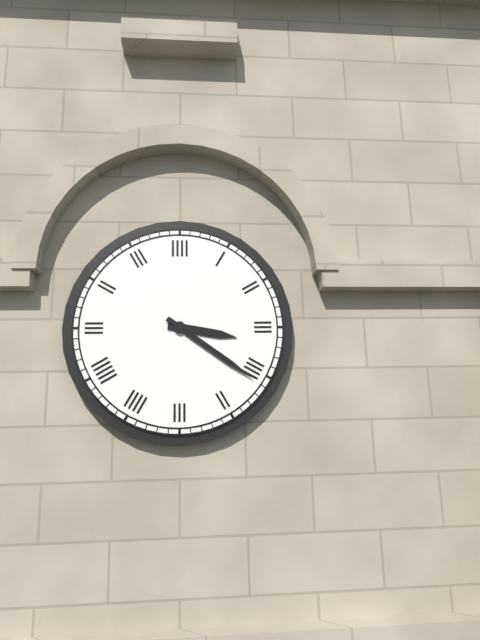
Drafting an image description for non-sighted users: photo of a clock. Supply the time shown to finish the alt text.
3:21
